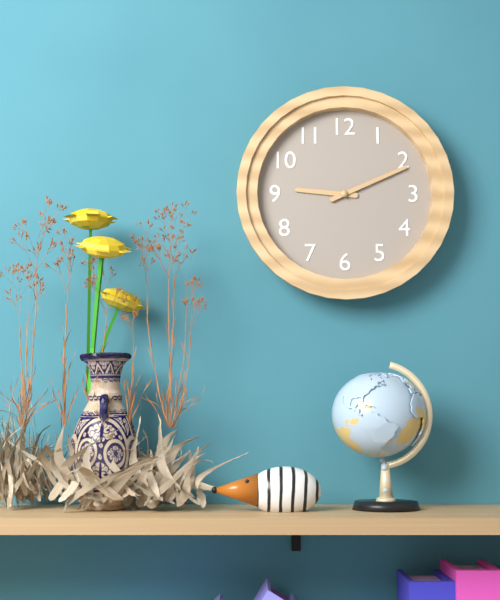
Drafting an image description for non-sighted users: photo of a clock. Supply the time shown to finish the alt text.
9:11
